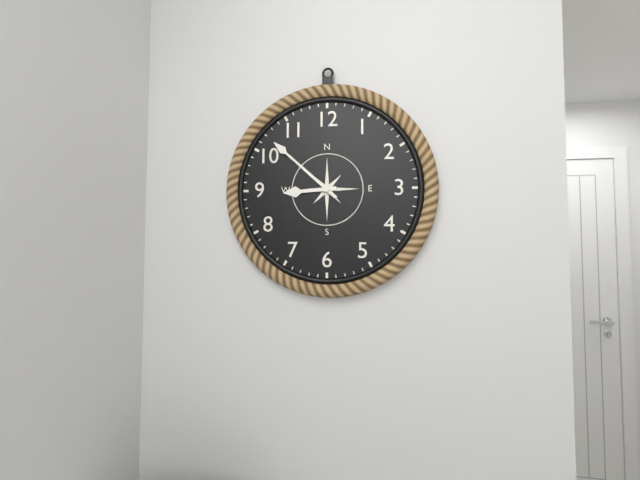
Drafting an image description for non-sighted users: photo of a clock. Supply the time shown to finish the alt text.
8:52
